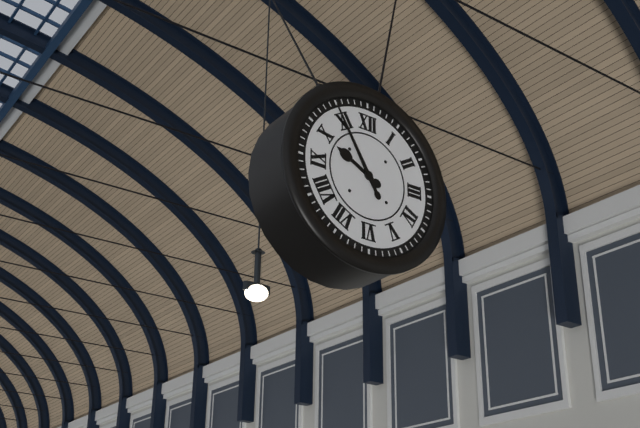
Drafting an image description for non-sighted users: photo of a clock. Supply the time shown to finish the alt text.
9:55
